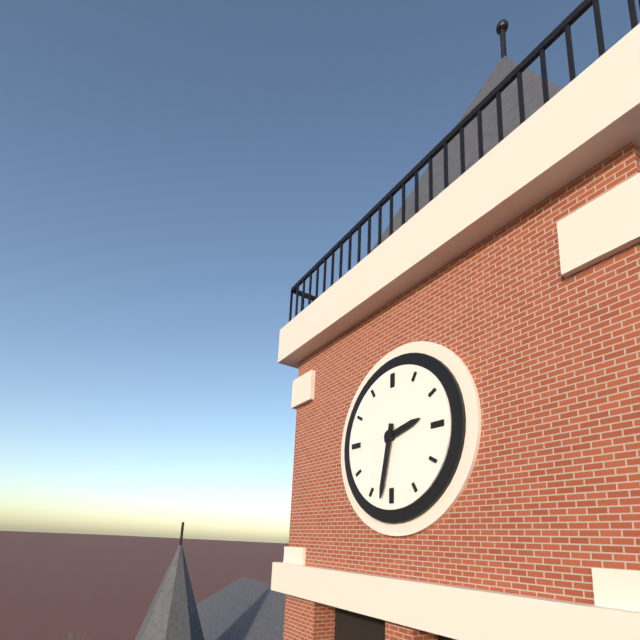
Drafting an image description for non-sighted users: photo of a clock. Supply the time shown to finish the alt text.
2:32
